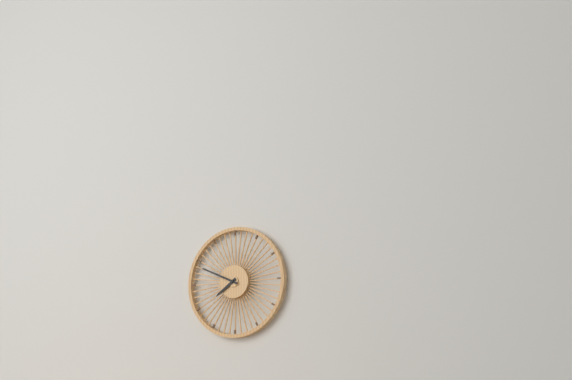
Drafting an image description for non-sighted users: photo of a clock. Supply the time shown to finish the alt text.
7:49
